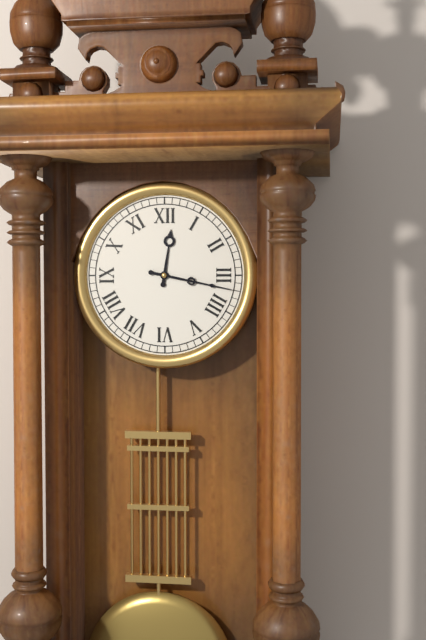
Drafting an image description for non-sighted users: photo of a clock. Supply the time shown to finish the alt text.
12:17
